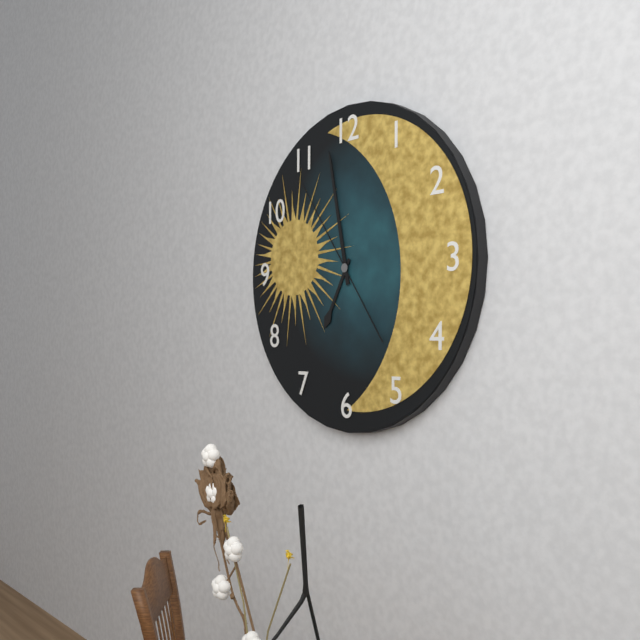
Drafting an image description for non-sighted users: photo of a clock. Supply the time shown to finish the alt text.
6:58:54
